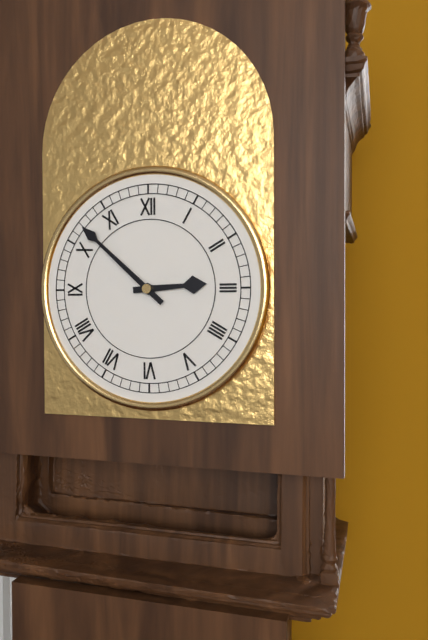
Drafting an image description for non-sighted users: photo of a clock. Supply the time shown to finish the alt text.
2:52
